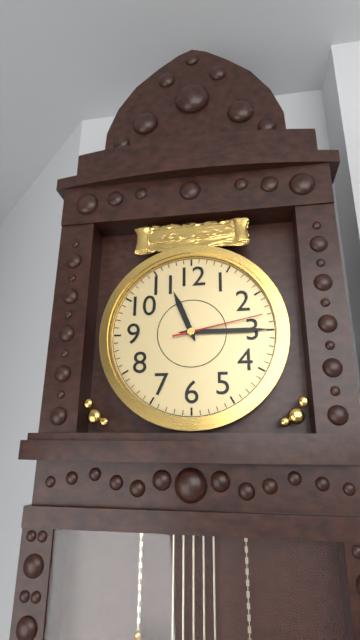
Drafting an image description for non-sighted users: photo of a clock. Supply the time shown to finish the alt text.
11:15:13
